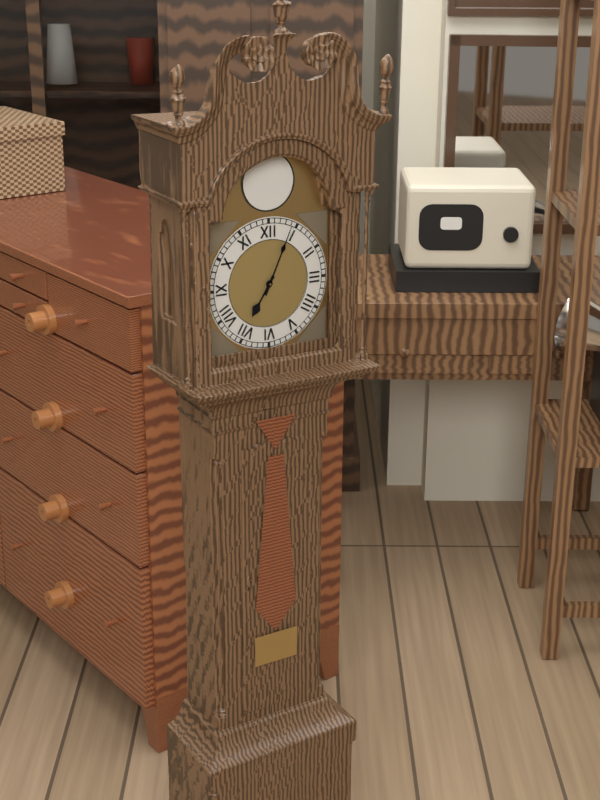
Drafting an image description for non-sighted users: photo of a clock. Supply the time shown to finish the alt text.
7:04
